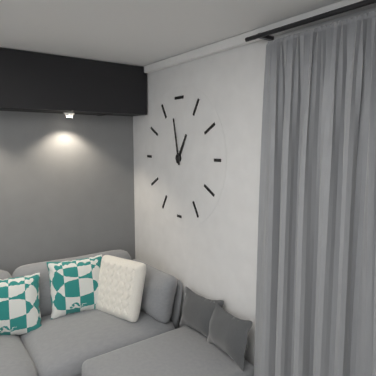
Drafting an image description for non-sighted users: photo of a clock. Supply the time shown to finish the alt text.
12:58
